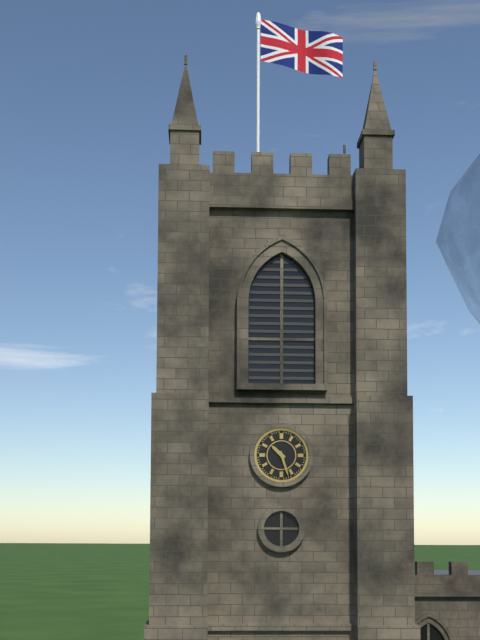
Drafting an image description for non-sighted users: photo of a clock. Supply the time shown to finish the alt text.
10:27
